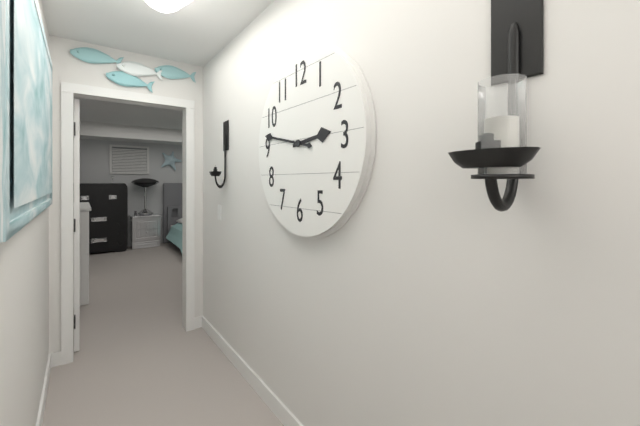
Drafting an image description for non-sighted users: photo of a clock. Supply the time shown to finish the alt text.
2:47
